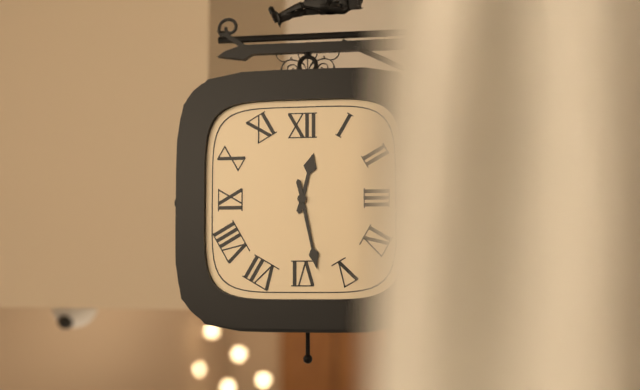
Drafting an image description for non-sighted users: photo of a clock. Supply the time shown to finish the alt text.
12:28
